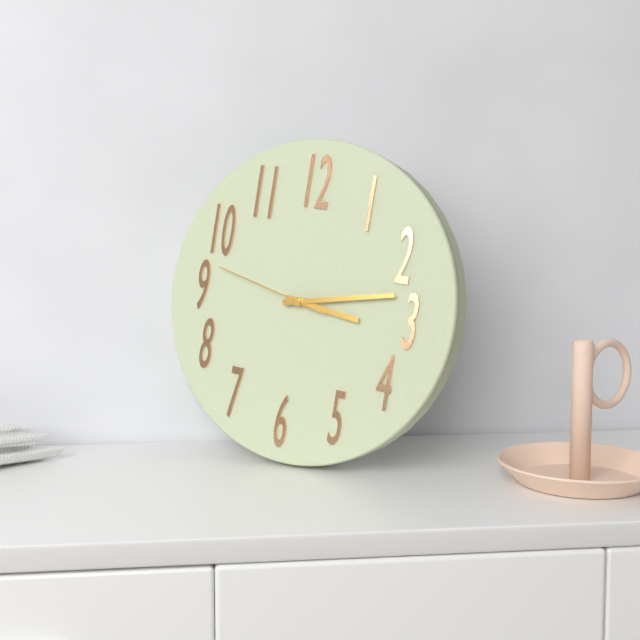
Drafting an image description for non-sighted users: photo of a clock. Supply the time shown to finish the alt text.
3:13:47
